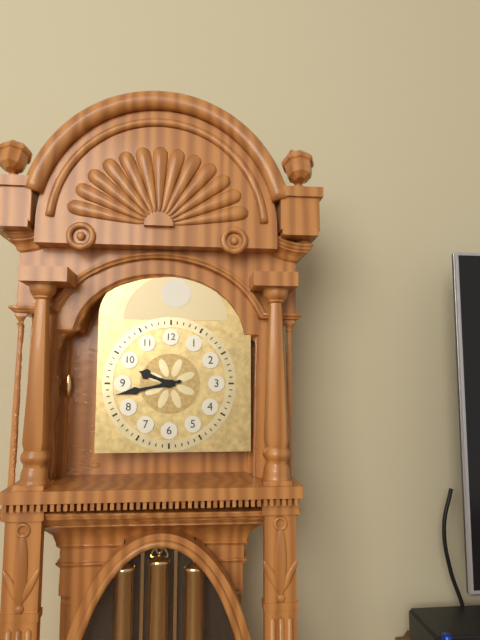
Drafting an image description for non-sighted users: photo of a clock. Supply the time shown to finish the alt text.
9:43
